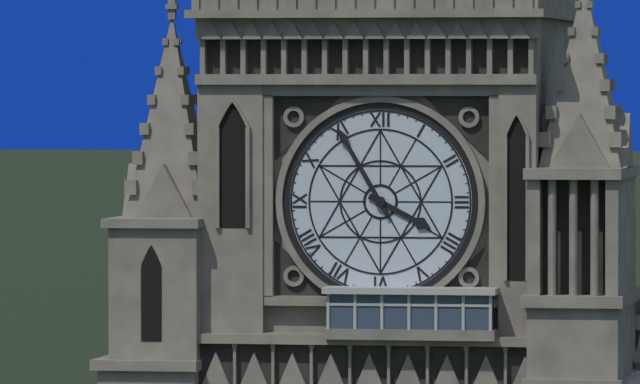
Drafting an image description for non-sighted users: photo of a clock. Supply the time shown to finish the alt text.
3:55
